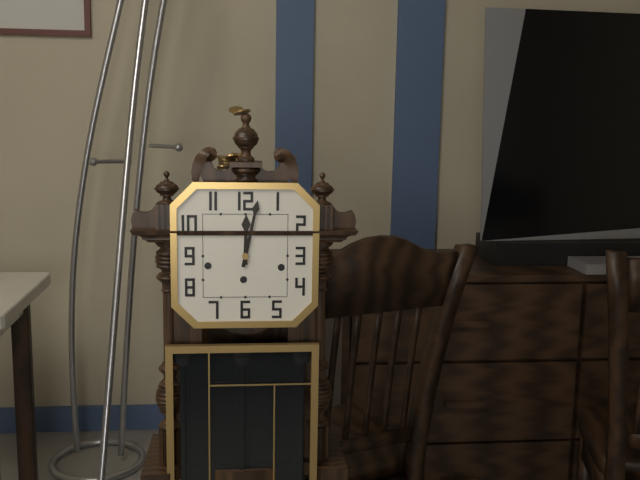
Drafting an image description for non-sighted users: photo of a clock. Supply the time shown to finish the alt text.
12:02
